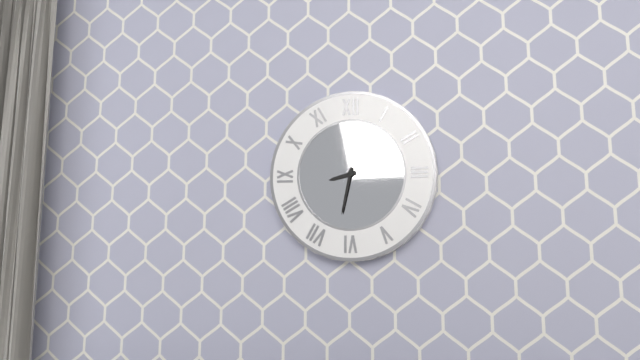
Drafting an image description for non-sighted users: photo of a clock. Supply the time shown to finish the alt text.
8:32
